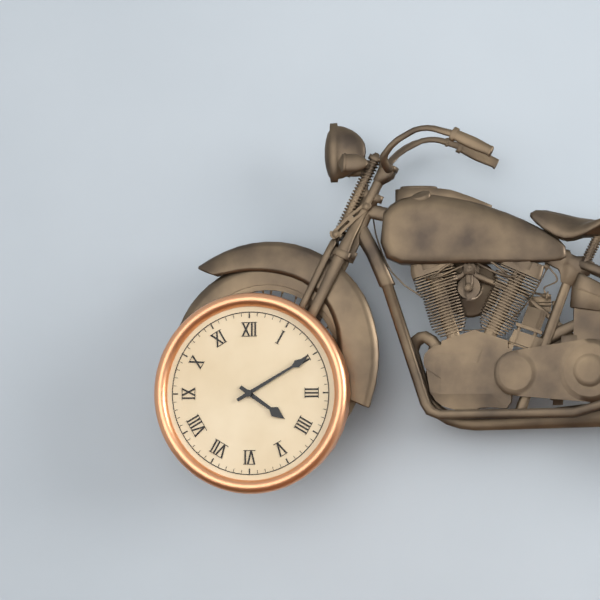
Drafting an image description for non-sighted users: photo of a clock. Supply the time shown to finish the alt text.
4:10
